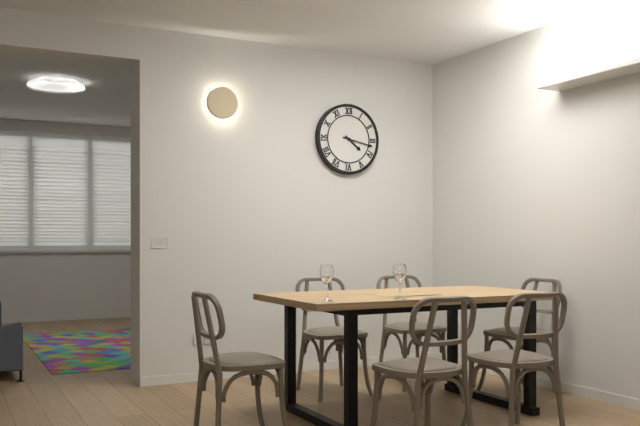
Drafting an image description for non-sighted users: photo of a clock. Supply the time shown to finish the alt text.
4:17
